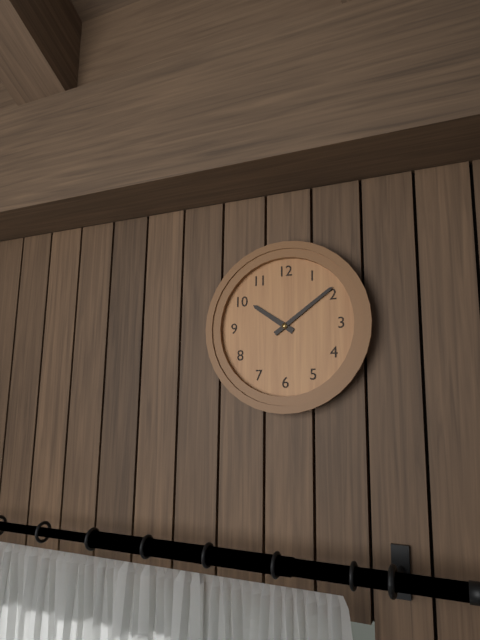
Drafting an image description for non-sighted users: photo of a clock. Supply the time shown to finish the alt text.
10:09
